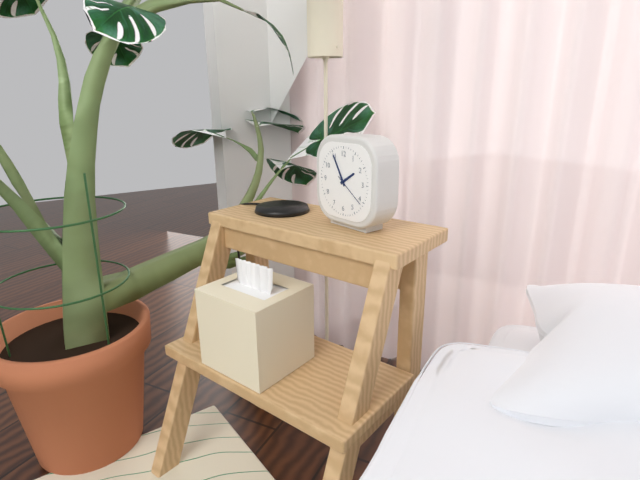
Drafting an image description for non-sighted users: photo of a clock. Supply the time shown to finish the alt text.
1:55
